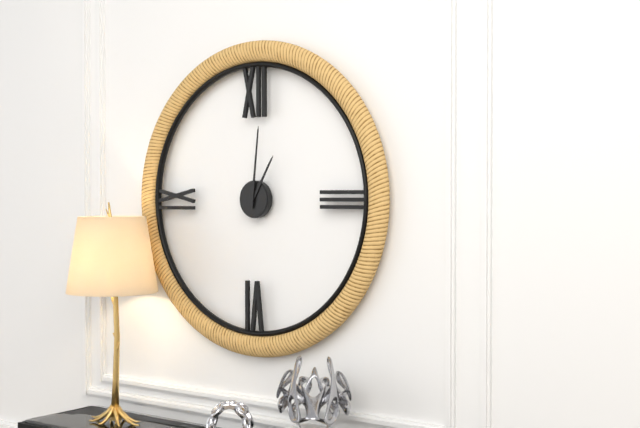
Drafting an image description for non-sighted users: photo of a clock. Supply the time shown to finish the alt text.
1:01
